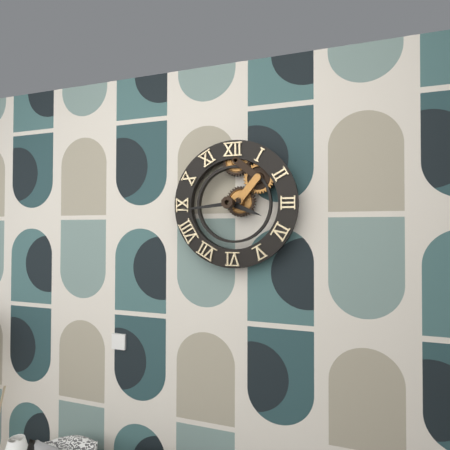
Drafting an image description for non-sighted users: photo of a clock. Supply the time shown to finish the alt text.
3:44
